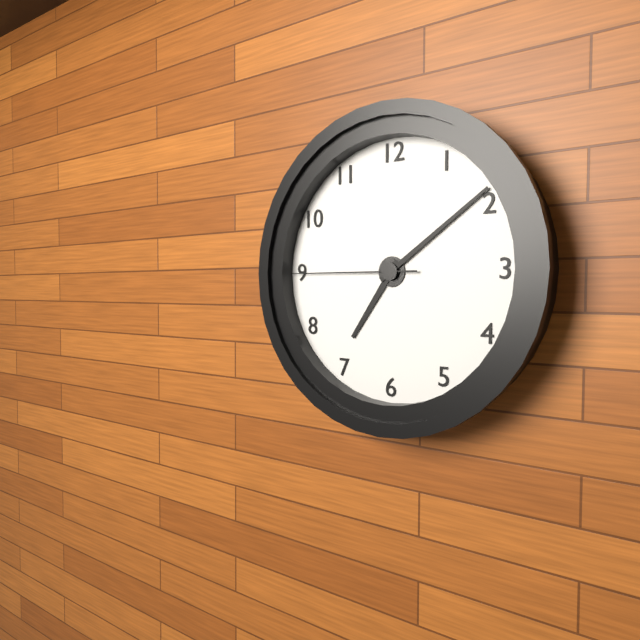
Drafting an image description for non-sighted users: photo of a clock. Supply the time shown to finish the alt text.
7:09:45
